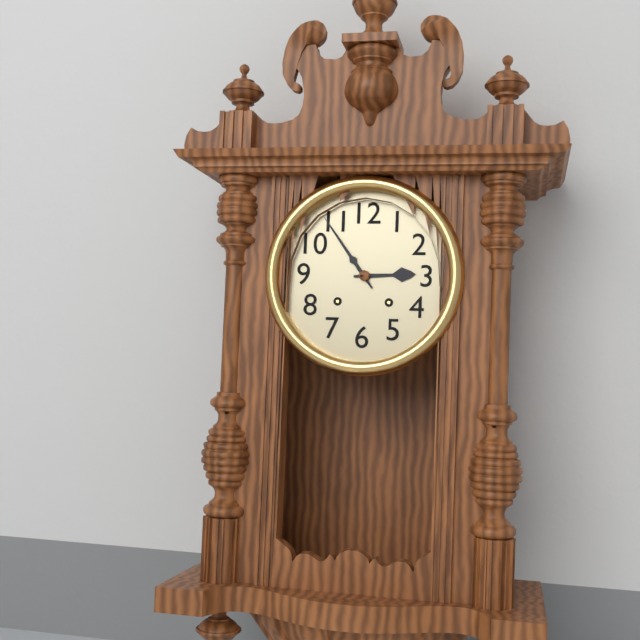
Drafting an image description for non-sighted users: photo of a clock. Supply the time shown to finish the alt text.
2:54
